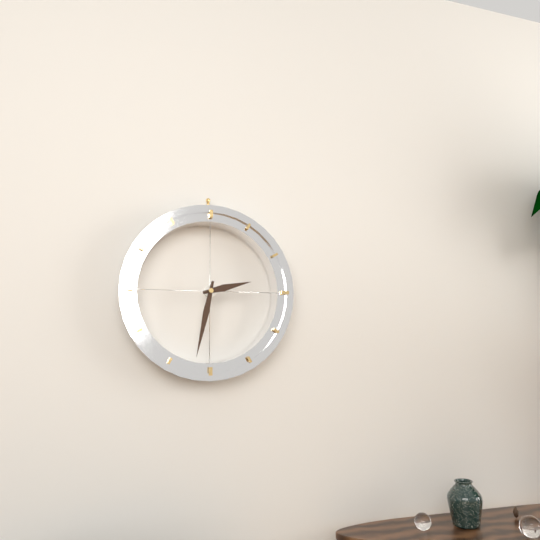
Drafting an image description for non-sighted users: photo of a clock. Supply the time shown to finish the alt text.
2:32
